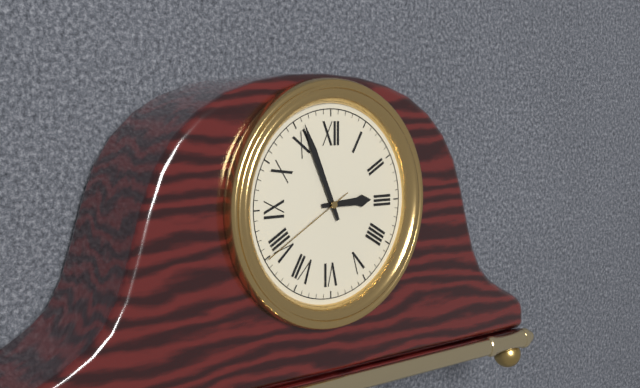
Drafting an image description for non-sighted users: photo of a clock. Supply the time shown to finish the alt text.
2:56:40
